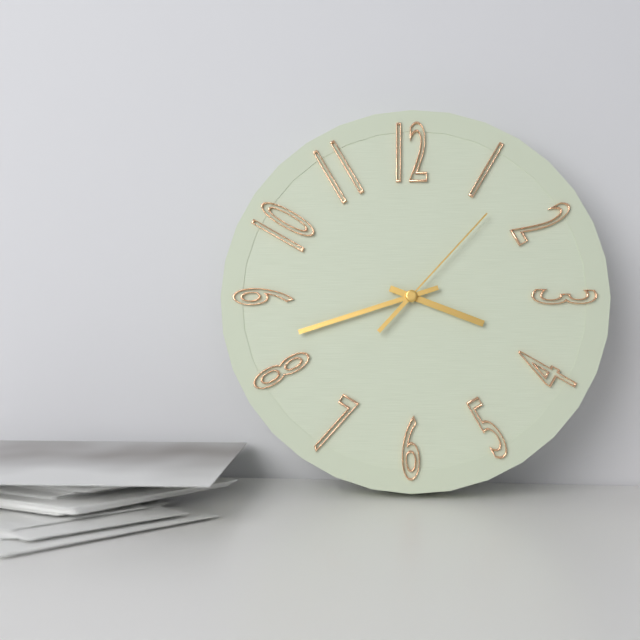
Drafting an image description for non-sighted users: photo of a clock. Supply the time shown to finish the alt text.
3:42:07
